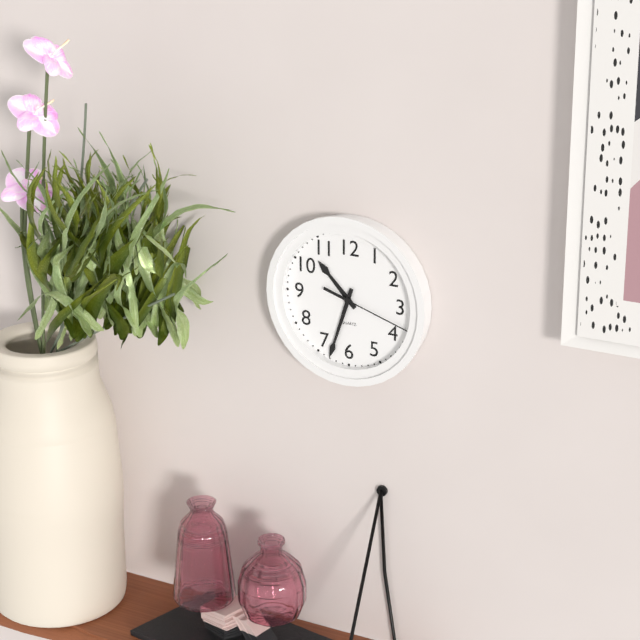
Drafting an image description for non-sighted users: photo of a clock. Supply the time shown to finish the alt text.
10:33:18
